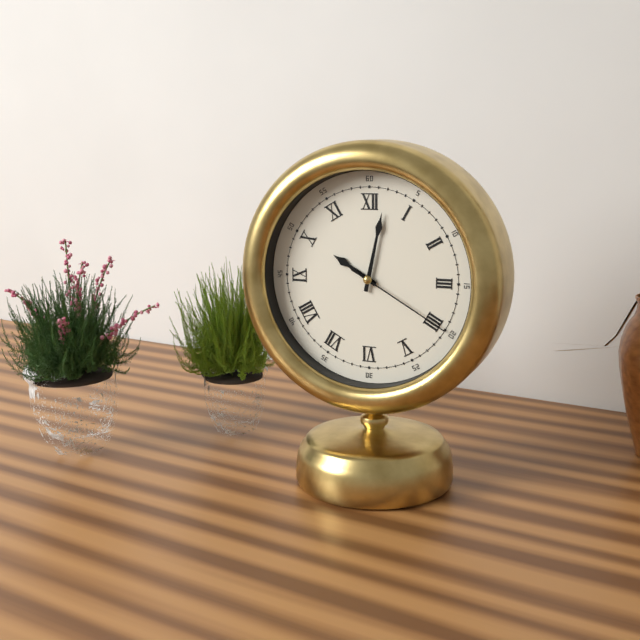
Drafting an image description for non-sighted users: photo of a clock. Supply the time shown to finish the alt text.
10:02:20
